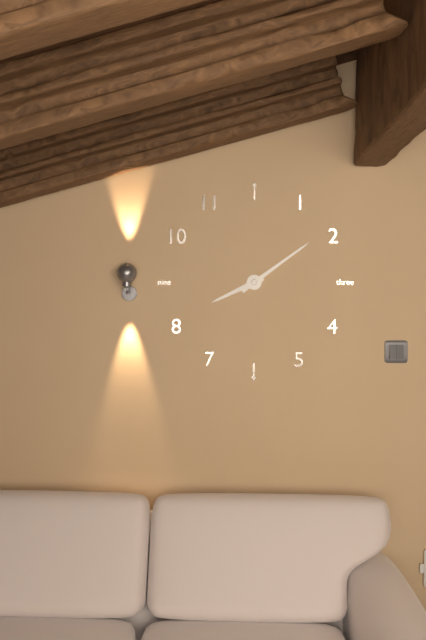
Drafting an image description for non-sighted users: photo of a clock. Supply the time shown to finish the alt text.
8:09
